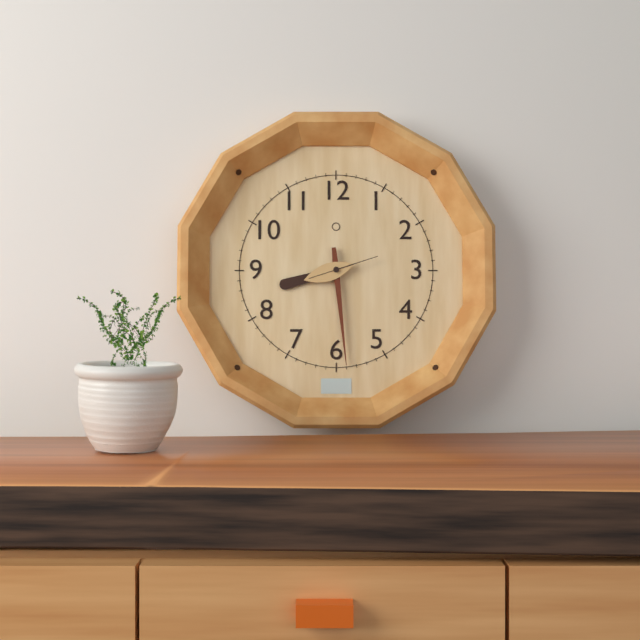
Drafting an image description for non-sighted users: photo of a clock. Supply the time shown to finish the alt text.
8:29:12
